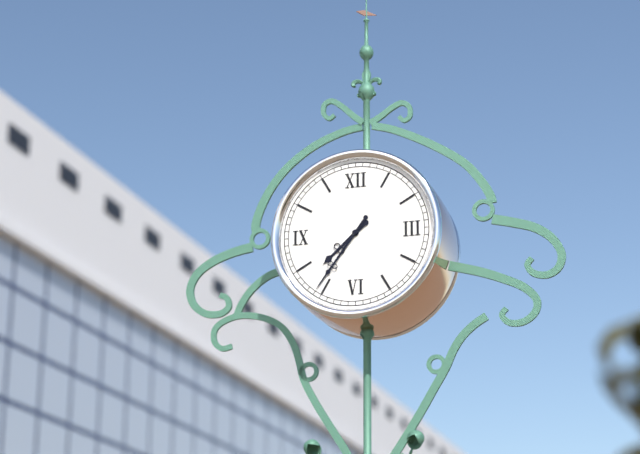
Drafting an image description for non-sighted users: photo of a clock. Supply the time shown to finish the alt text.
7:36
